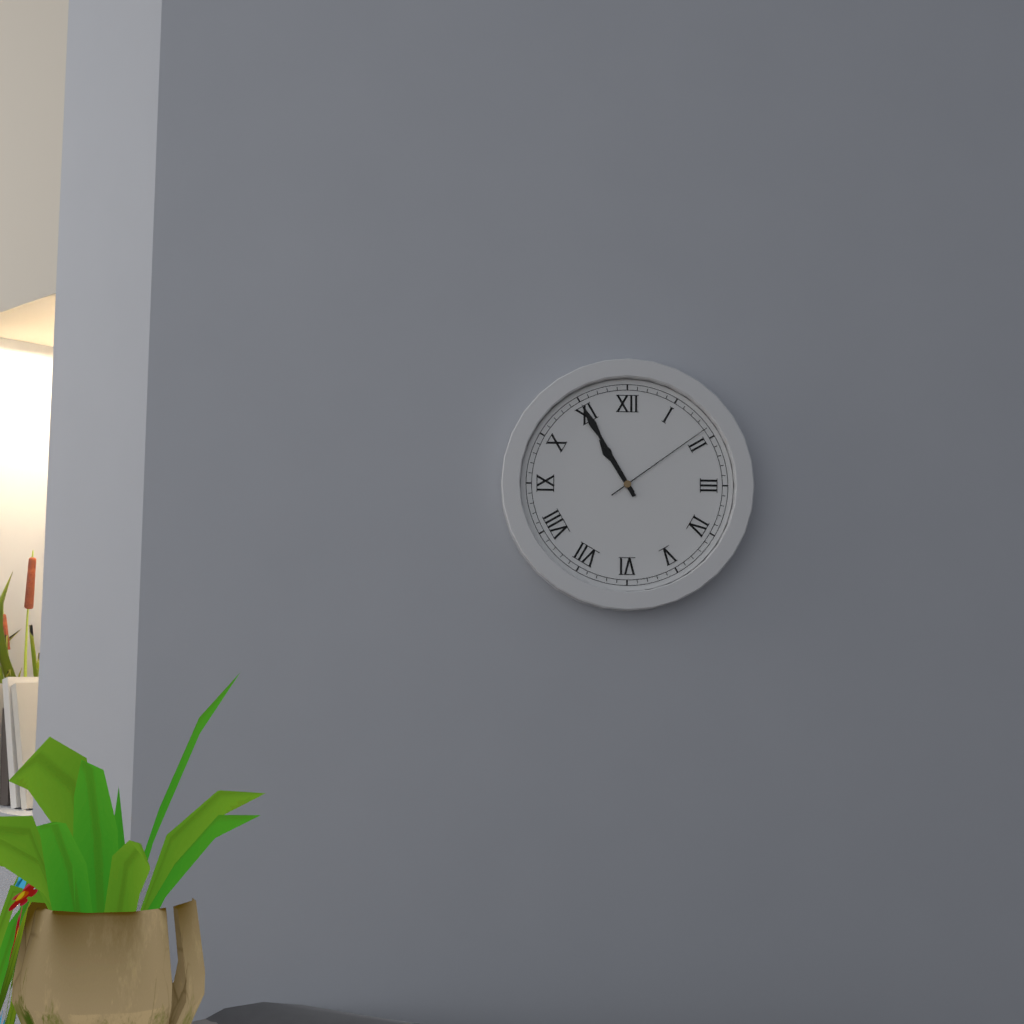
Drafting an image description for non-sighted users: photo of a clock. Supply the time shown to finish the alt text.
10:55:09
